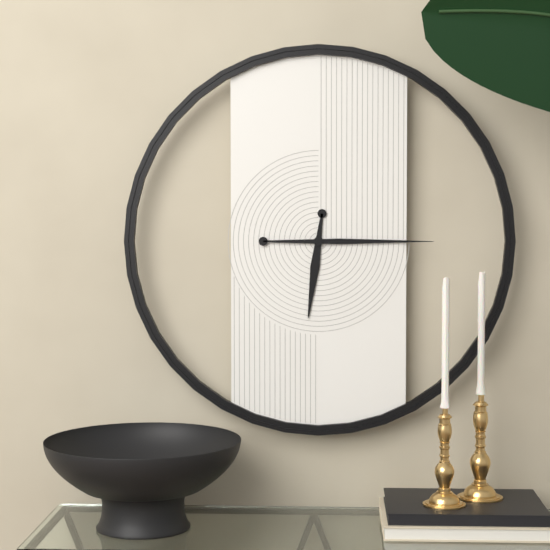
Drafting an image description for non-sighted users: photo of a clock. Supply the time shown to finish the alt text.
6:15
